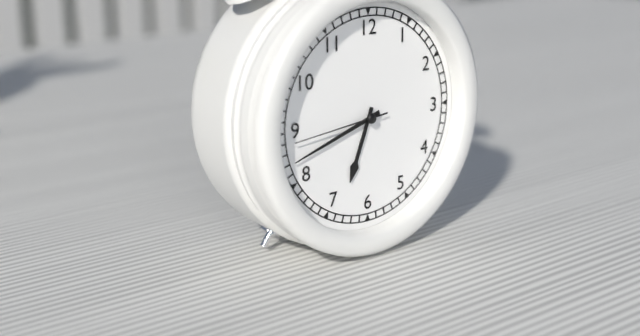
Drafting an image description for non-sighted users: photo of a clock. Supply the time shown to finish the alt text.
6:42:44
